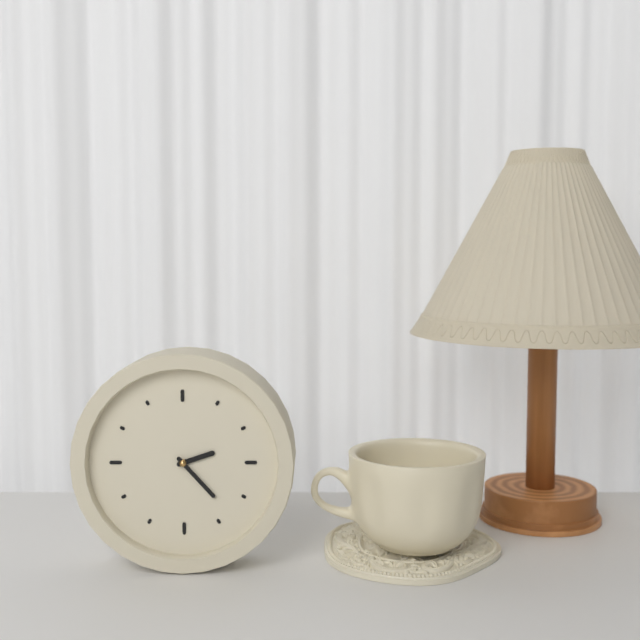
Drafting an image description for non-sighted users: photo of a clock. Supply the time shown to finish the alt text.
2:23
